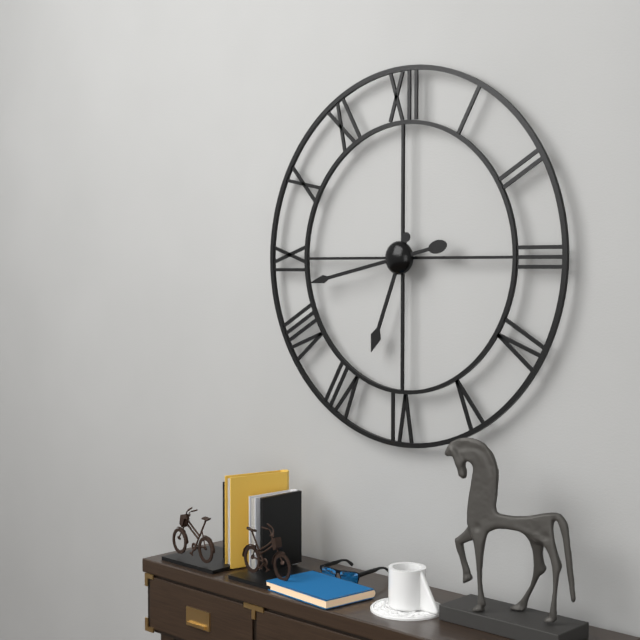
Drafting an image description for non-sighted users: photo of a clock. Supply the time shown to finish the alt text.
6:43
